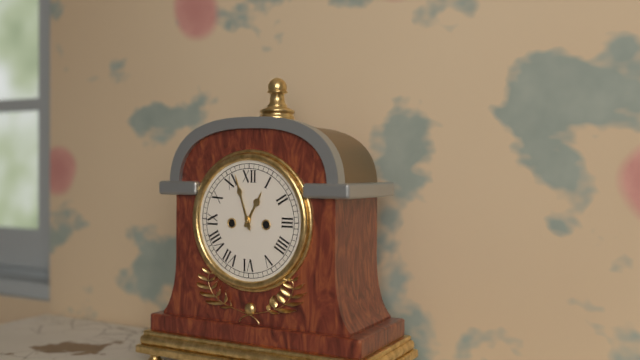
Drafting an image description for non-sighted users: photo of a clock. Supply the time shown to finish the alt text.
12:57
